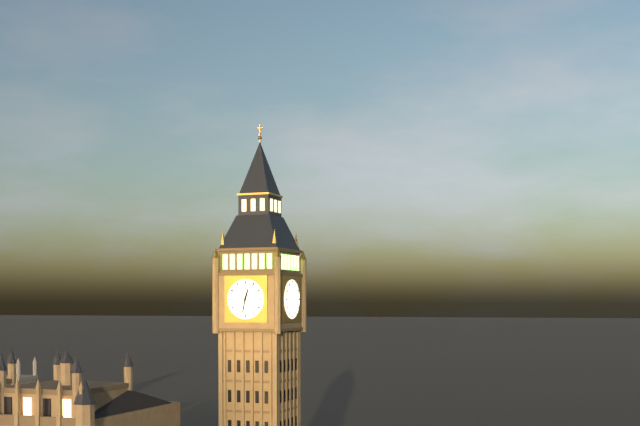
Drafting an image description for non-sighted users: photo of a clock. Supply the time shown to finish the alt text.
12:32
